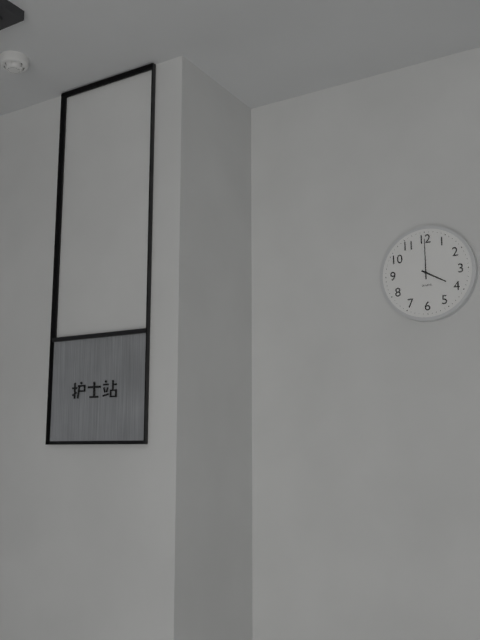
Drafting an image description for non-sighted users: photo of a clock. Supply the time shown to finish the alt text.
4:00
